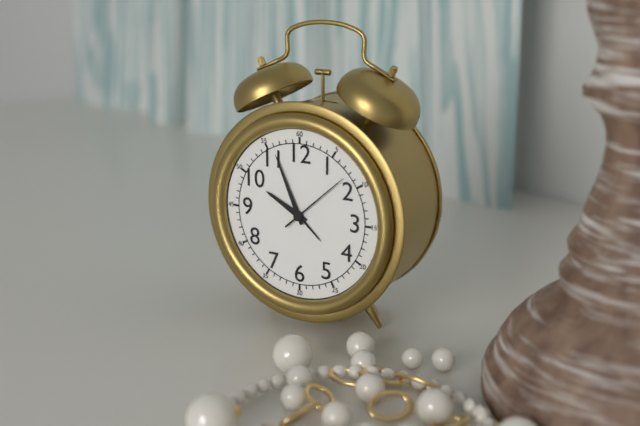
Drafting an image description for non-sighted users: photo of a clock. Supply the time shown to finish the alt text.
9:56:08
